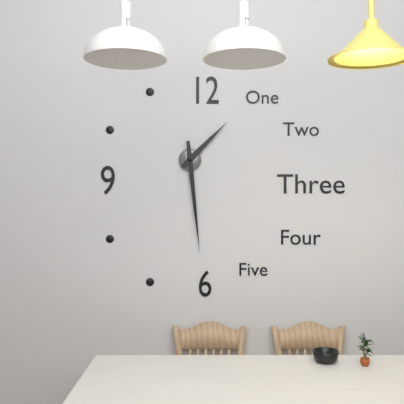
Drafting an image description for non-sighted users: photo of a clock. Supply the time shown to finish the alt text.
1:29
